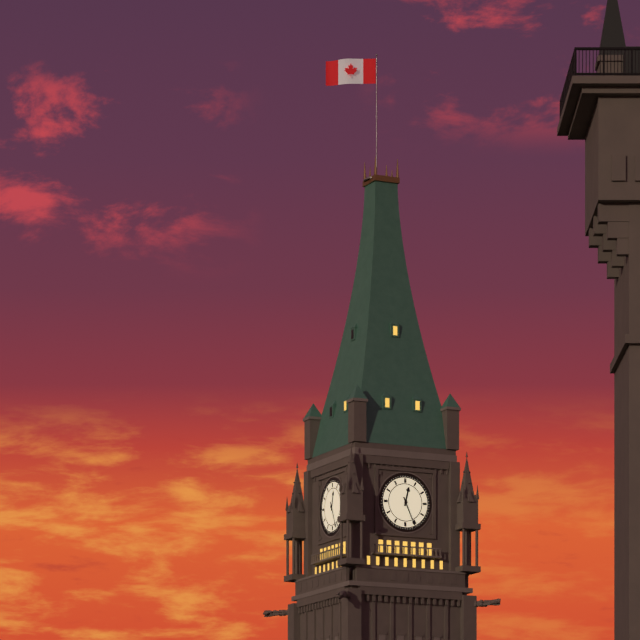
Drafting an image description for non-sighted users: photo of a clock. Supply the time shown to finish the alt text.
12:26
